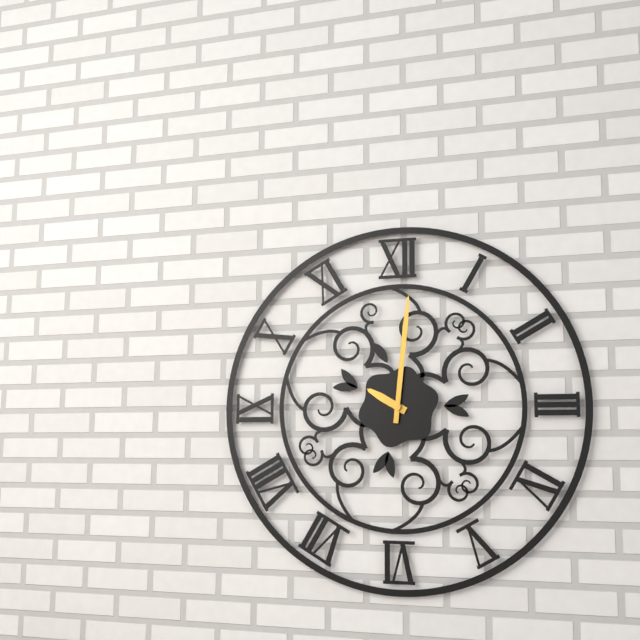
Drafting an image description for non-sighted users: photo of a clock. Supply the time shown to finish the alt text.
10:01
